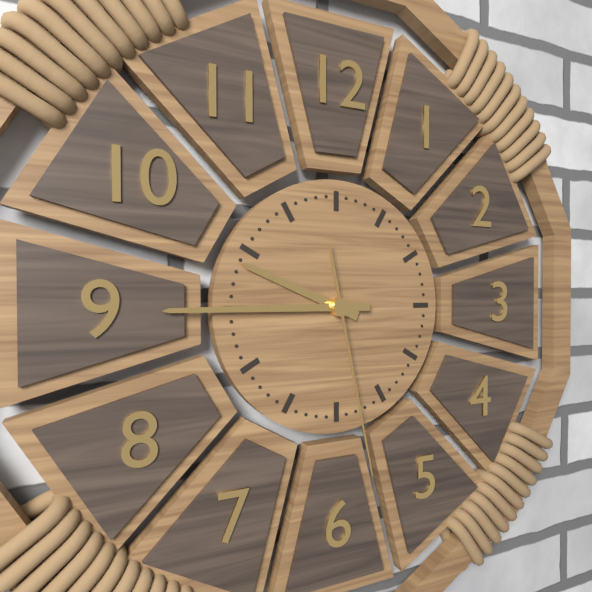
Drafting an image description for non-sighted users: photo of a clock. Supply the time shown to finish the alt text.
9:45:28
